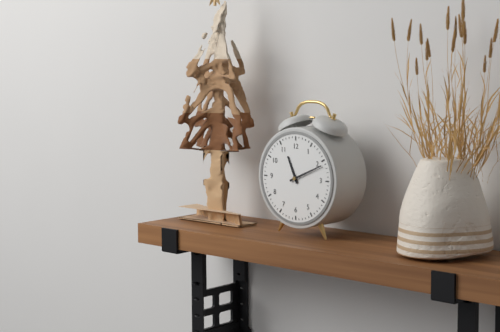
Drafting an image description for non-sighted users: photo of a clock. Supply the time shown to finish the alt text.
11:11
